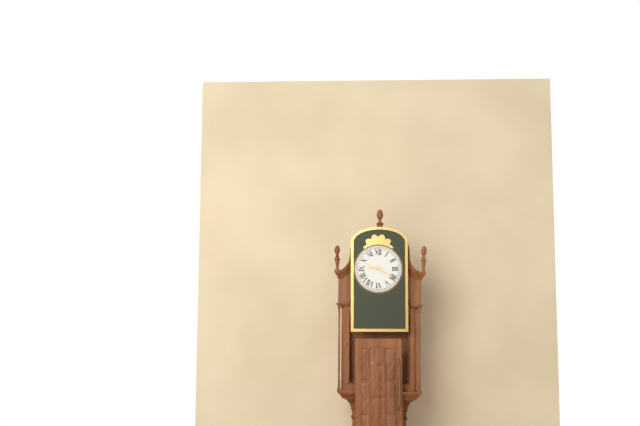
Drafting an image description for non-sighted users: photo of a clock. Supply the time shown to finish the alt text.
9:20
